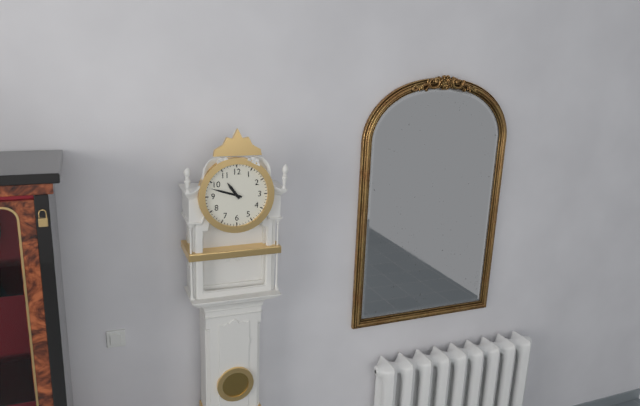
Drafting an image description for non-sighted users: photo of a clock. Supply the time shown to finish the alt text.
10:48
